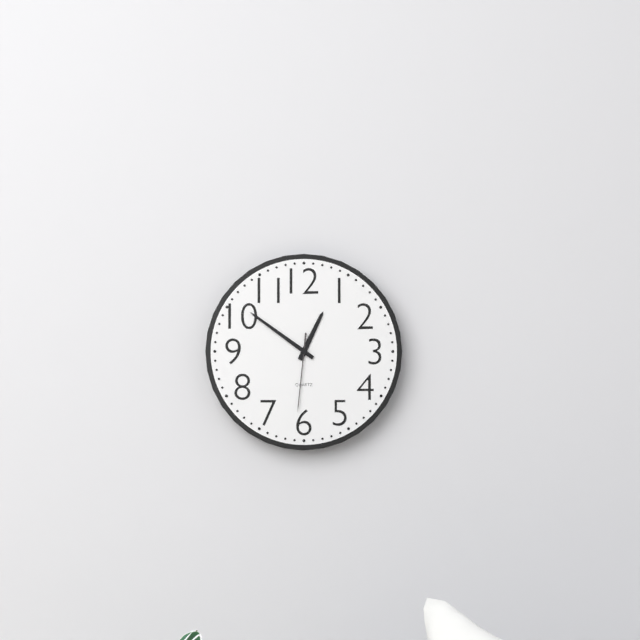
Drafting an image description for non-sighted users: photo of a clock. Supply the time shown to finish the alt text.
12:51:31
